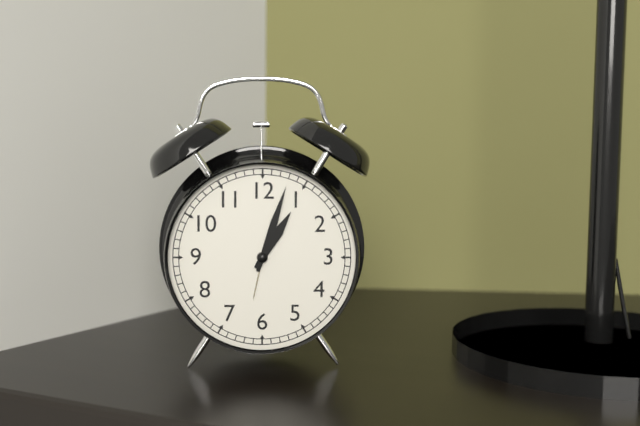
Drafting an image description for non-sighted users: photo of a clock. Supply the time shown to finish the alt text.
1:03
